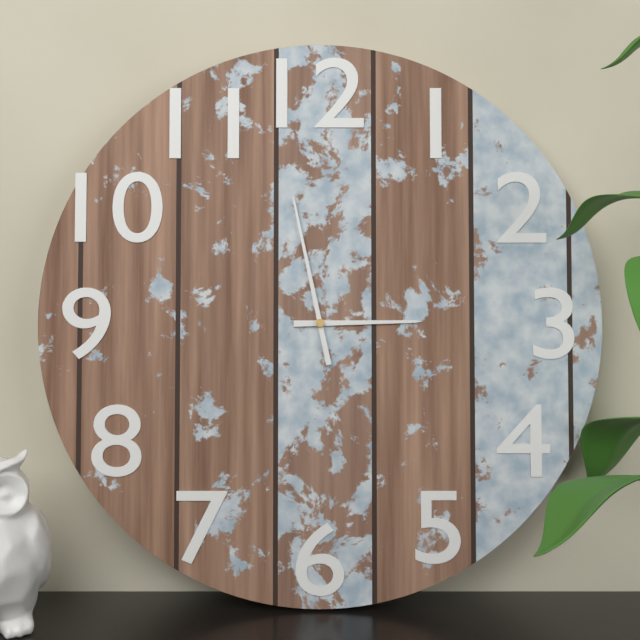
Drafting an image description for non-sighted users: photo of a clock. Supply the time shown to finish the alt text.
2:58
